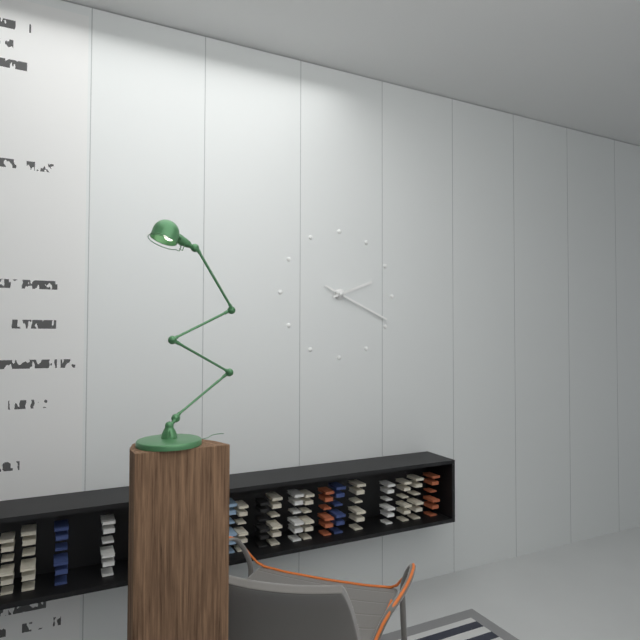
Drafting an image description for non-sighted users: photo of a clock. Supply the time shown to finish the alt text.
2:19
